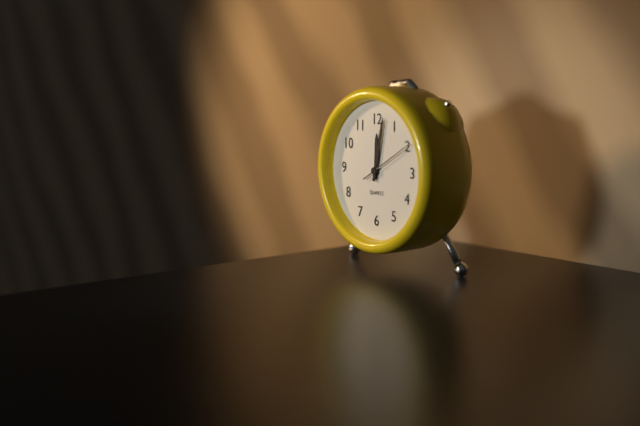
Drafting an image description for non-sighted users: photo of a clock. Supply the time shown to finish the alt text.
12:02
